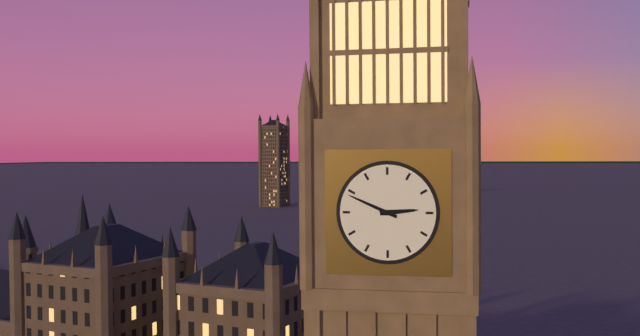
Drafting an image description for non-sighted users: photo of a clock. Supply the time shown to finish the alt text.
2:49
